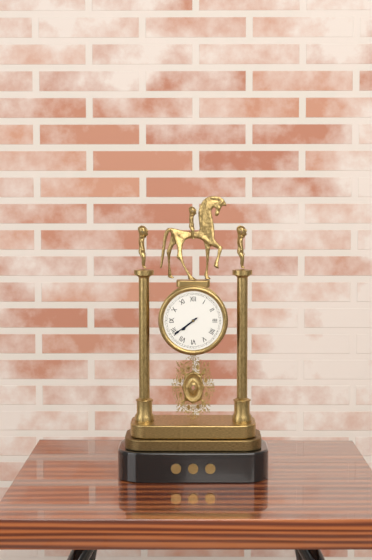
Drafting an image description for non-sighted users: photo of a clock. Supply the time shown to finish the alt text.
7:39
